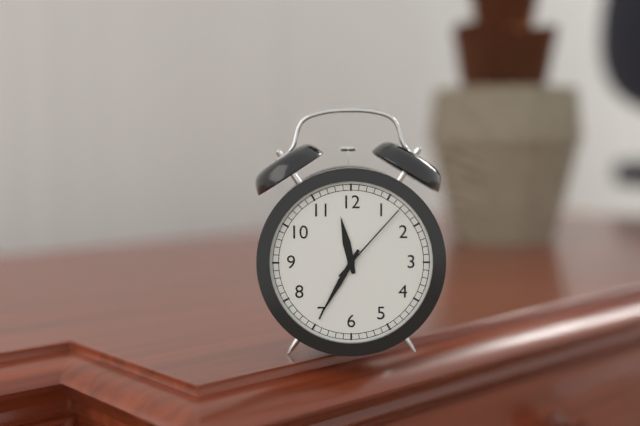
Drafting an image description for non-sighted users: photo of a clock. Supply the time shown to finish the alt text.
11:35:07
